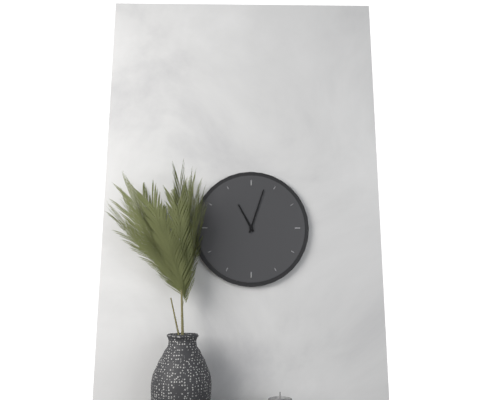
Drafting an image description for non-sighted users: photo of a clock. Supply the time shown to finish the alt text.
11:03
